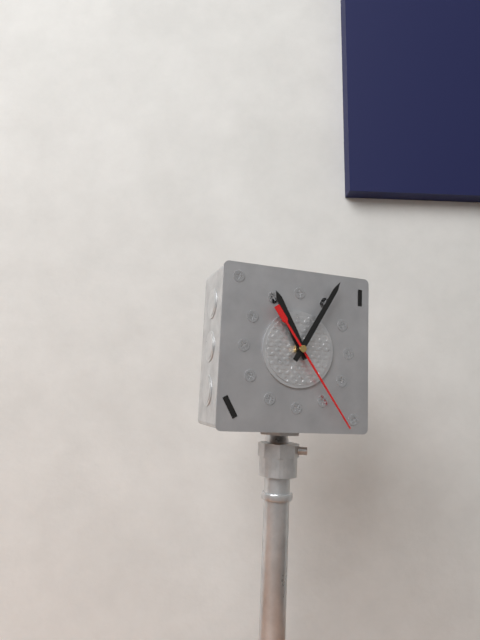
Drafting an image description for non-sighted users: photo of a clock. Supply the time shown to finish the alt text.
11:05:24
